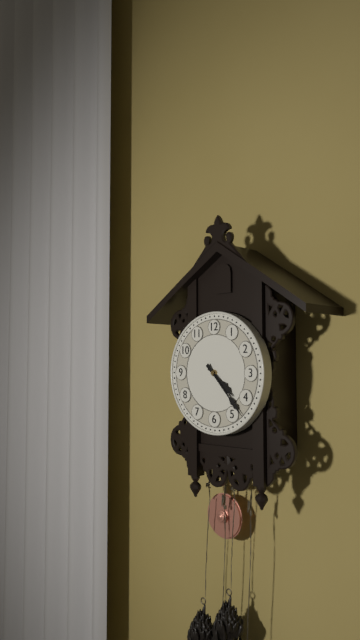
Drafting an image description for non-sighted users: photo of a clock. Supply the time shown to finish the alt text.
4:23
